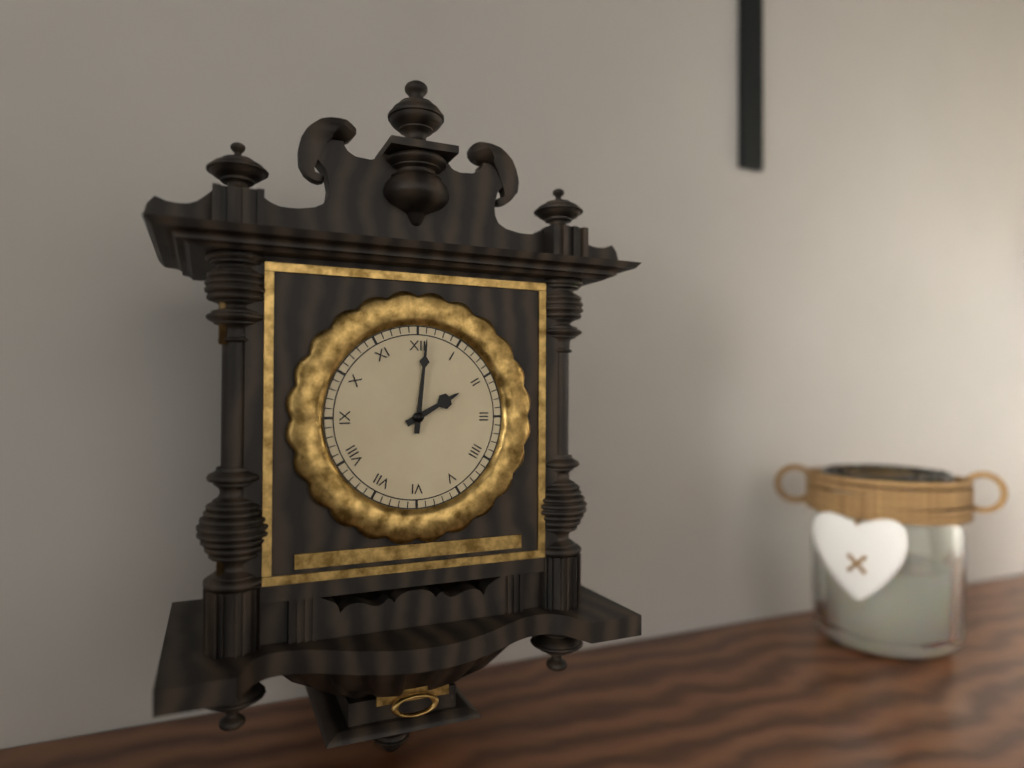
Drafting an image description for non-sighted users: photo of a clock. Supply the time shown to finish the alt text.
2:01
